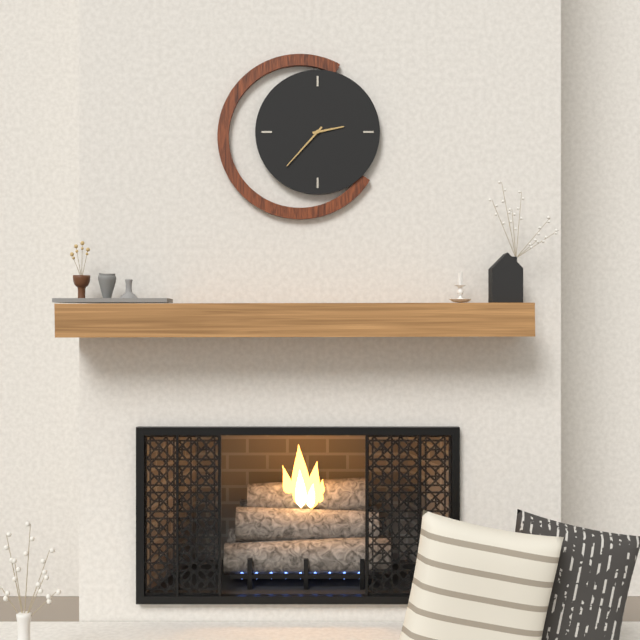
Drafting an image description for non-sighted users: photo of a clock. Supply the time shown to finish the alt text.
2:37
